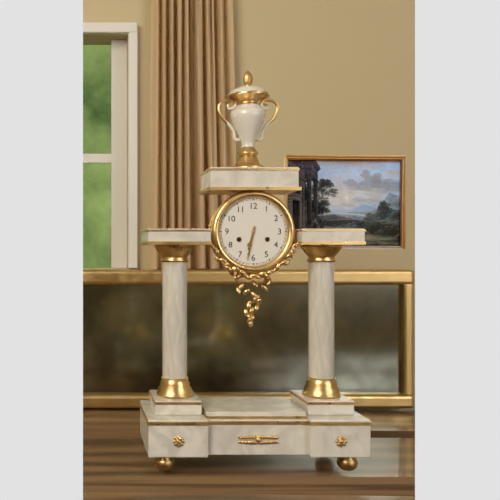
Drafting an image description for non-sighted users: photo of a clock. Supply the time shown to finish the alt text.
6:32
